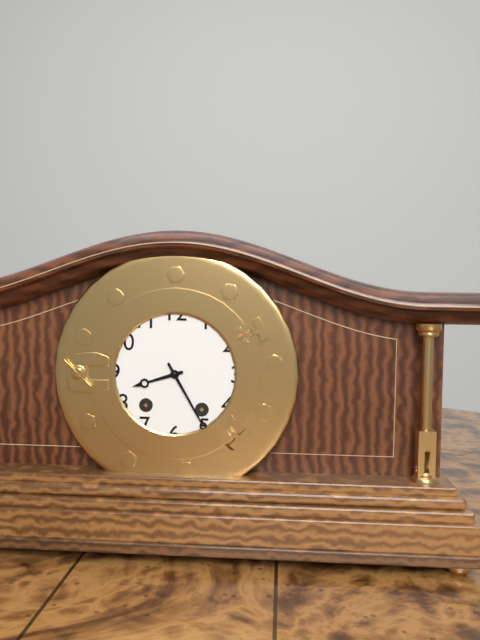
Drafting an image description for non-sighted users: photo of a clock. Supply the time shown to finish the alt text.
8:25
